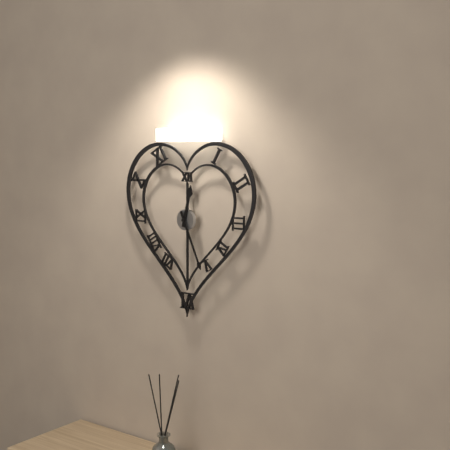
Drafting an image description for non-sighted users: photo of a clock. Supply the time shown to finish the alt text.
12:26
